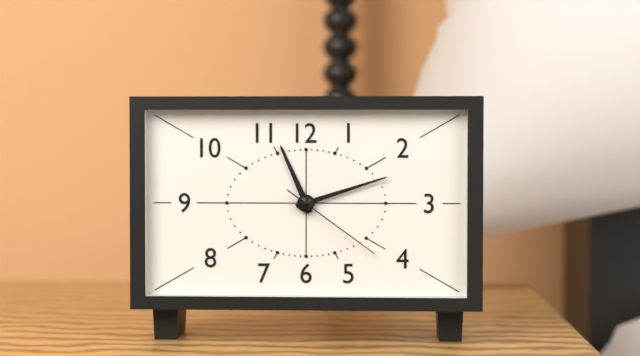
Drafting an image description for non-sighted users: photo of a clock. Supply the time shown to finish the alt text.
11:12:21
